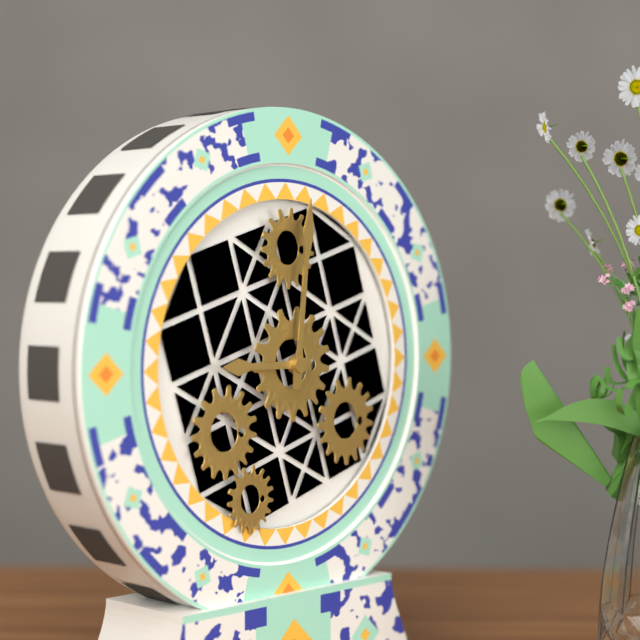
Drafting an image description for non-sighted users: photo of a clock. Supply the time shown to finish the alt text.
9:01
